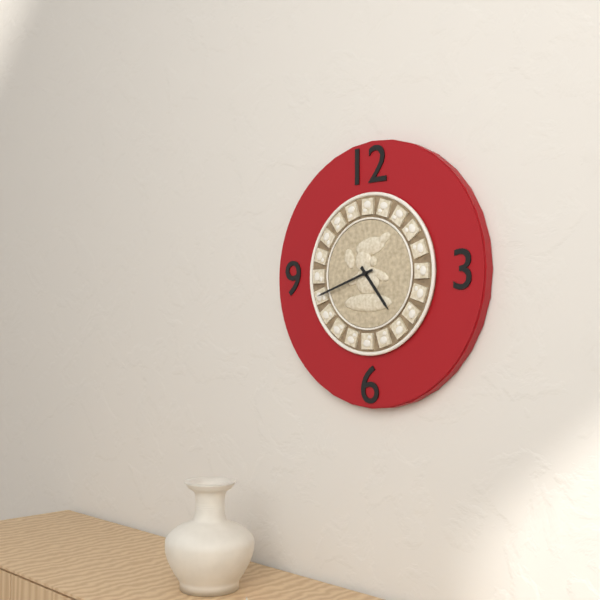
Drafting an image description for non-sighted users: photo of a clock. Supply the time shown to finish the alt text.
4:42
